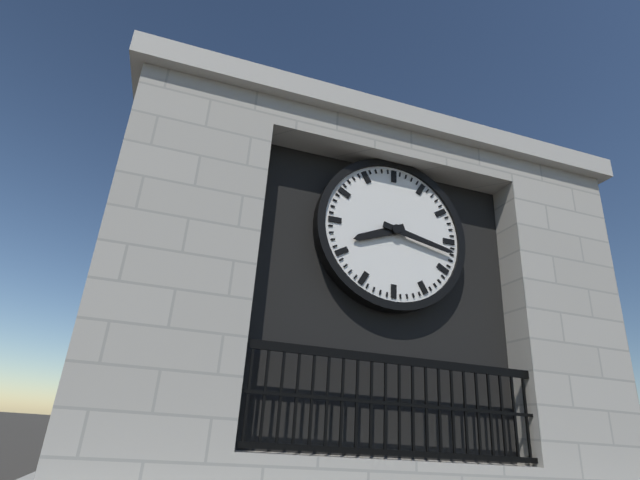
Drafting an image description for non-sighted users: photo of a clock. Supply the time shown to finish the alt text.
8:17
